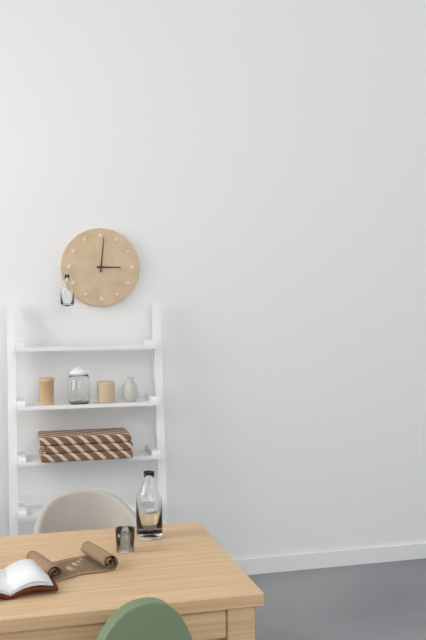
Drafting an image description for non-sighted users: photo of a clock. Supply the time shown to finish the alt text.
3:01
